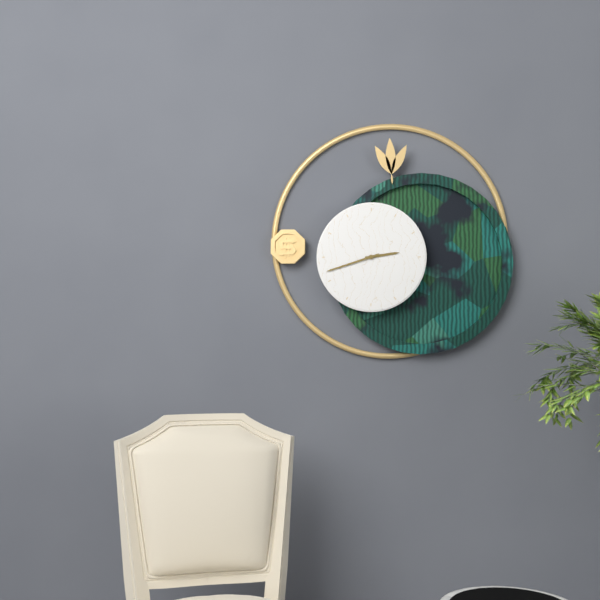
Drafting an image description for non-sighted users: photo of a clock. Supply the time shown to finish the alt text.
2:42
